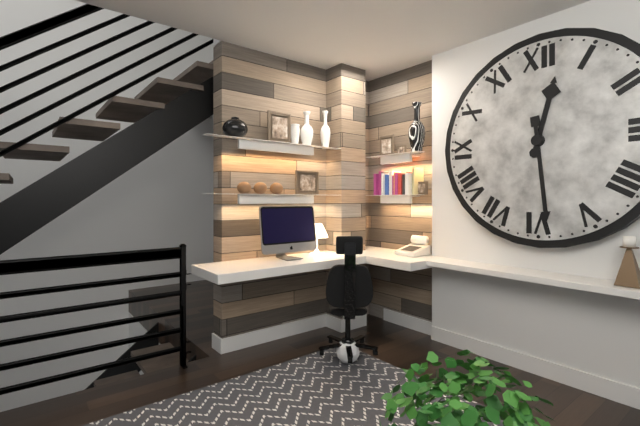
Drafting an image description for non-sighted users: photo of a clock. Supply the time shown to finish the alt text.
12:29
